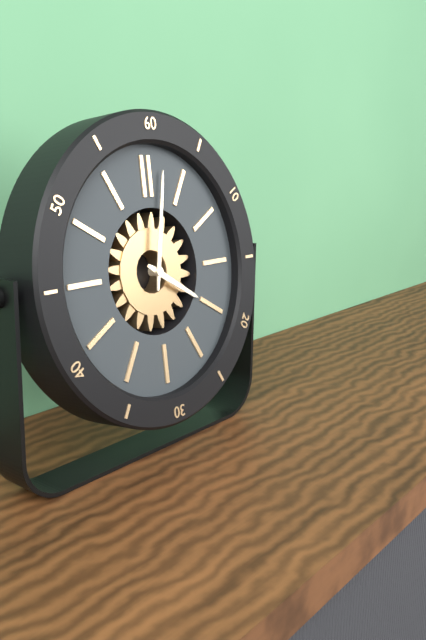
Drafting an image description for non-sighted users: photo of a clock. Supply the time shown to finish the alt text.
4:02
